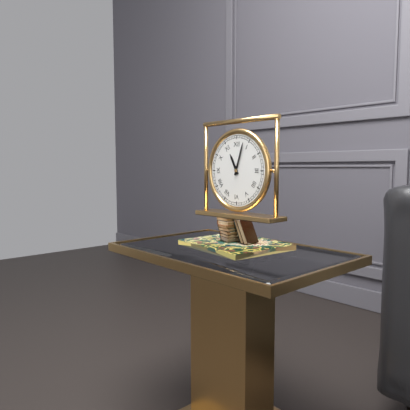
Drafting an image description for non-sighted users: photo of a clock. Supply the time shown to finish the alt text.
11:03
